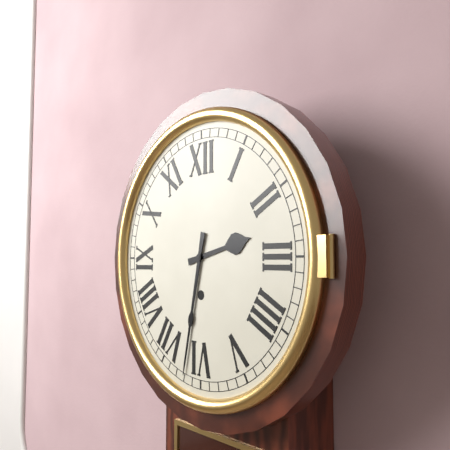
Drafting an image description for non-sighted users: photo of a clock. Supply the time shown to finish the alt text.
2:32
